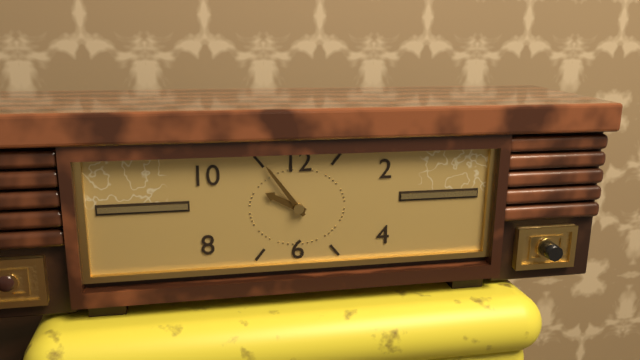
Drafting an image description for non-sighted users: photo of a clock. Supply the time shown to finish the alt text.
9:54
